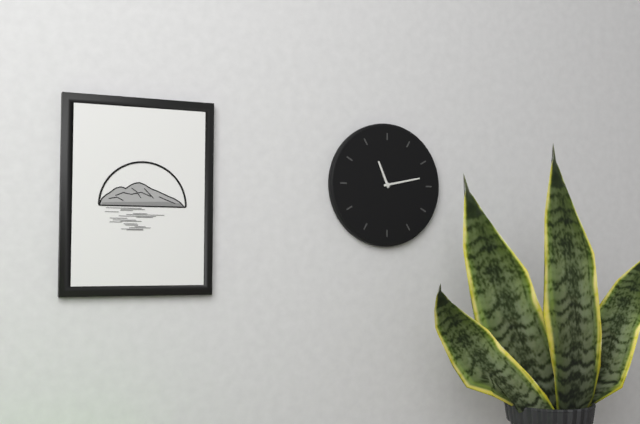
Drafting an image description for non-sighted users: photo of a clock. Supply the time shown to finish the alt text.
11:13
